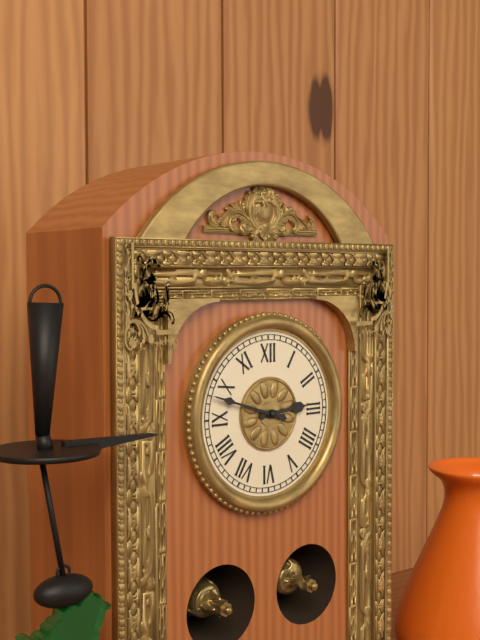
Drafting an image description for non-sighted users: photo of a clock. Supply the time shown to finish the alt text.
2:48
